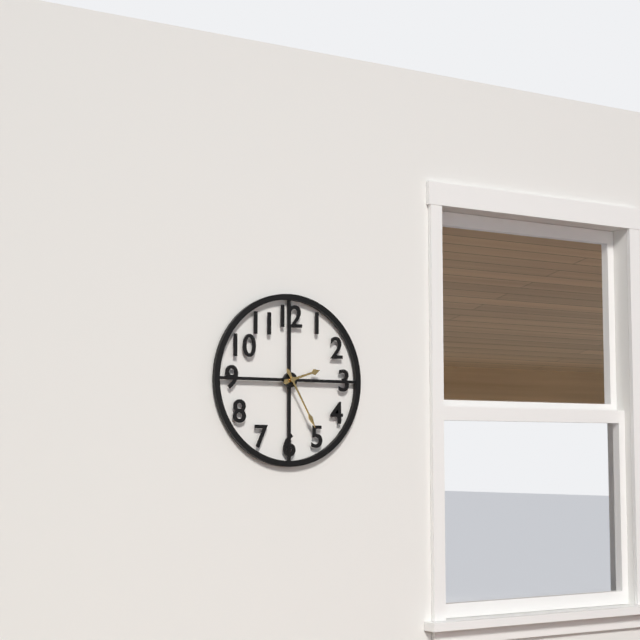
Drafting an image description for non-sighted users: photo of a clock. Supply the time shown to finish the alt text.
2:25
